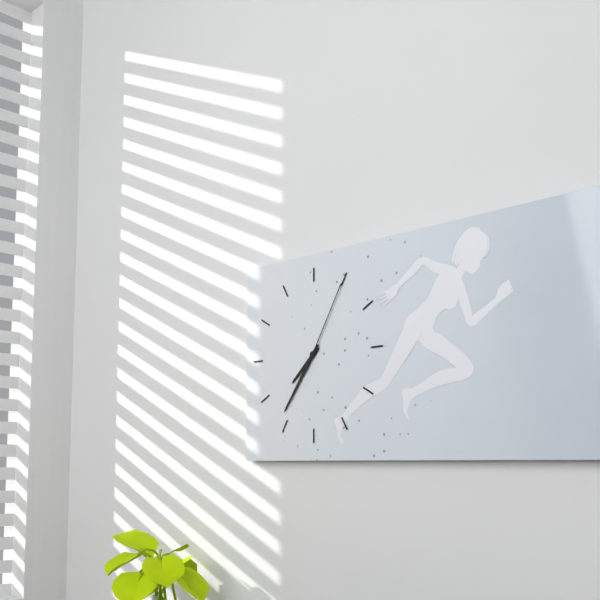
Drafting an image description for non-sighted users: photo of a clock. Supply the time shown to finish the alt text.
7:36:05
